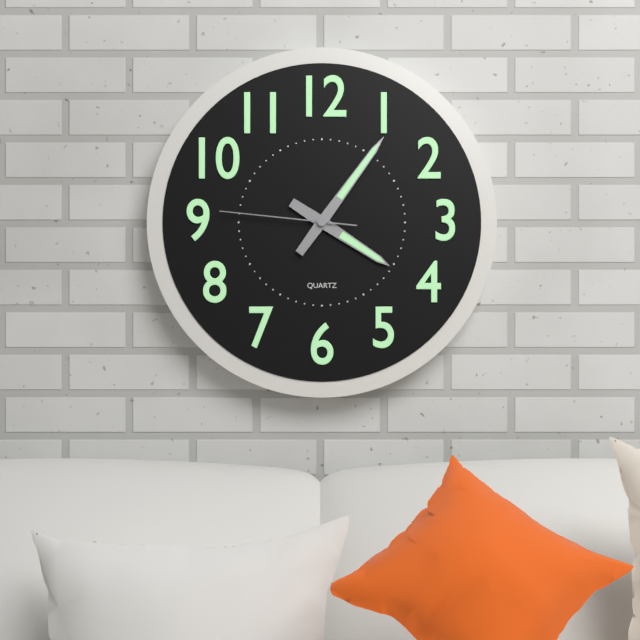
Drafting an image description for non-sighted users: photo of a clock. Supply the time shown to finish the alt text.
4:06:46
